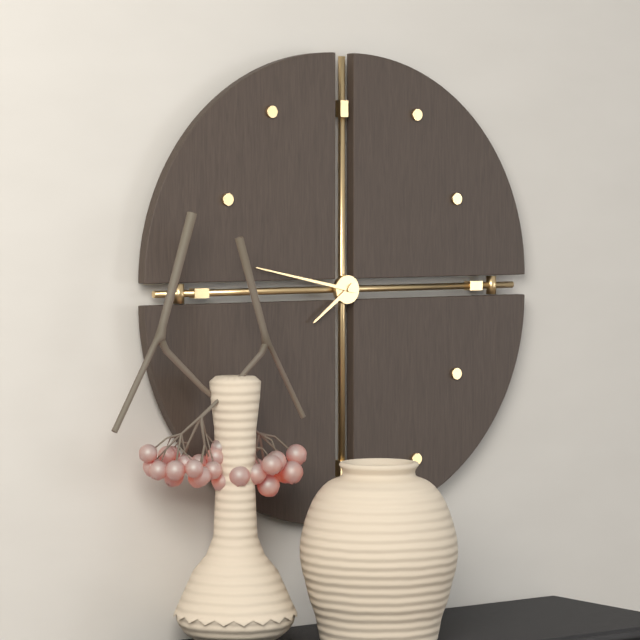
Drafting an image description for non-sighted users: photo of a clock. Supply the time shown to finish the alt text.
7:47
